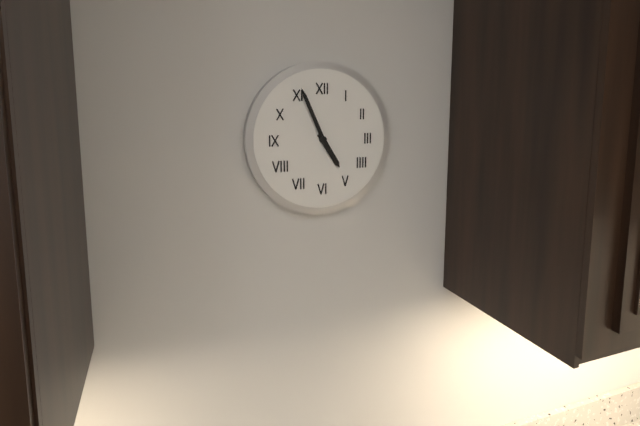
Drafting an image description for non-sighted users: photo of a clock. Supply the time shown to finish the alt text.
4:56
